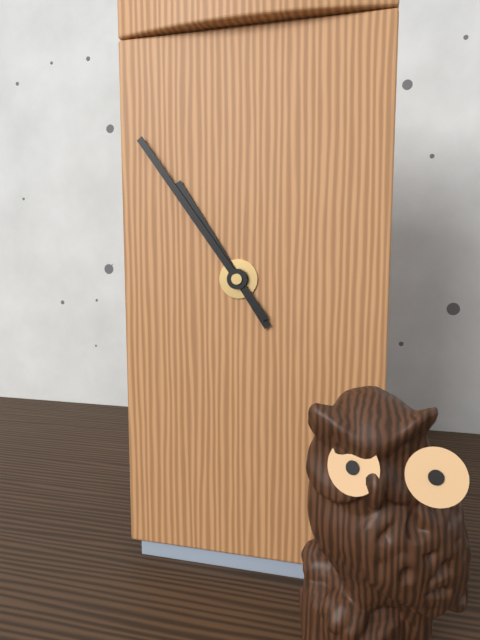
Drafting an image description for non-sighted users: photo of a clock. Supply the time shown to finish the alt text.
10:54
